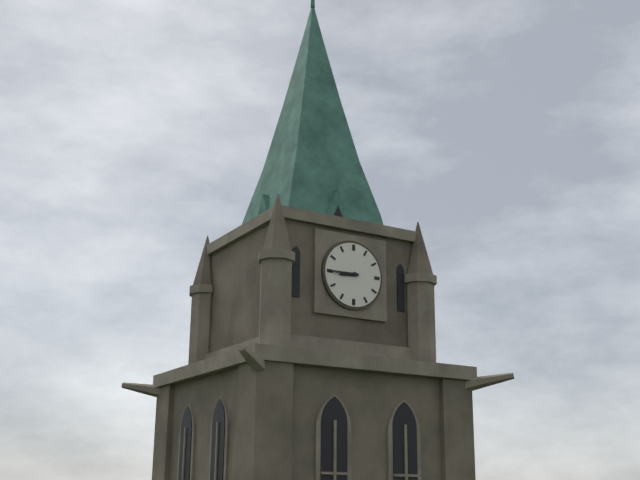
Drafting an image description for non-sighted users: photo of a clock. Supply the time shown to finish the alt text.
8:45
